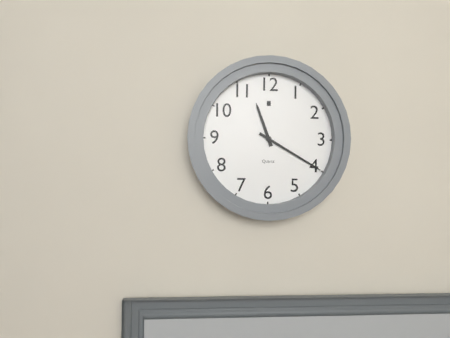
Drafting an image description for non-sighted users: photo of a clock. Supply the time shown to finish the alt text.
11:20
